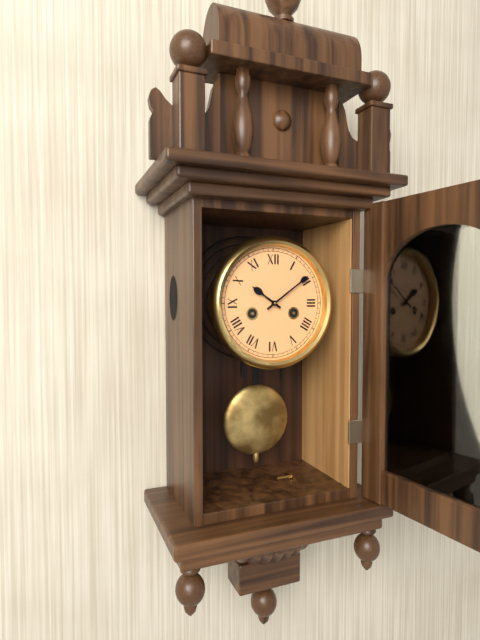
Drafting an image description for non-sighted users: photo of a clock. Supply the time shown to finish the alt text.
10:09
